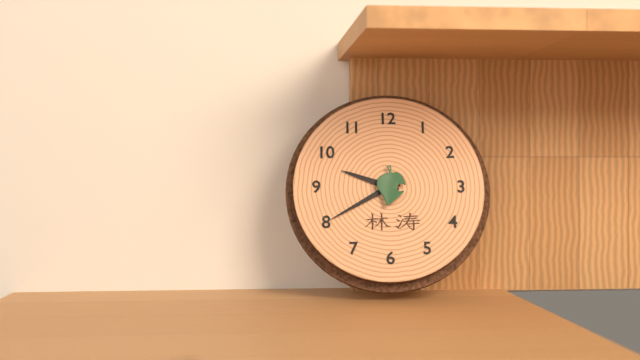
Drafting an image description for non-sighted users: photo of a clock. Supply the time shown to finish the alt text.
9:40
